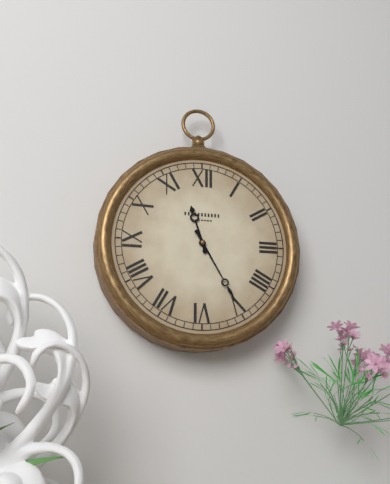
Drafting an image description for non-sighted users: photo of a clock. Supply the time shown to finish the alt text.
11:25
